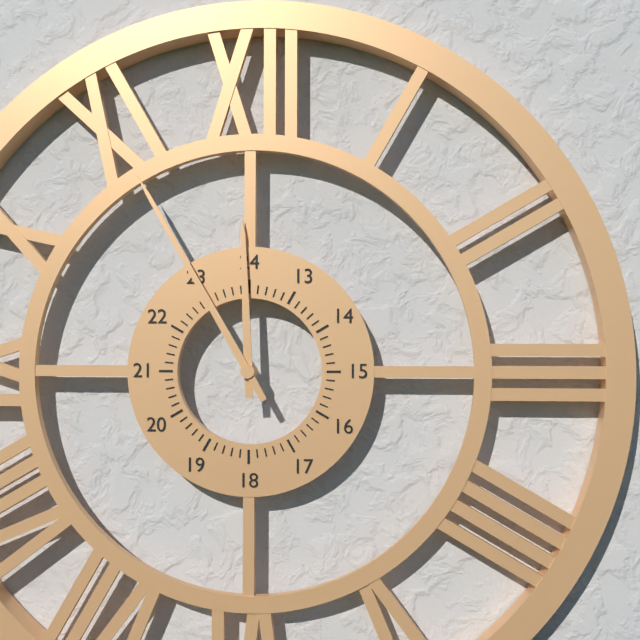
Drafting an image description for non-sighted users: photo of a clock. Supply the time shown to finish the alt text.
11:55
